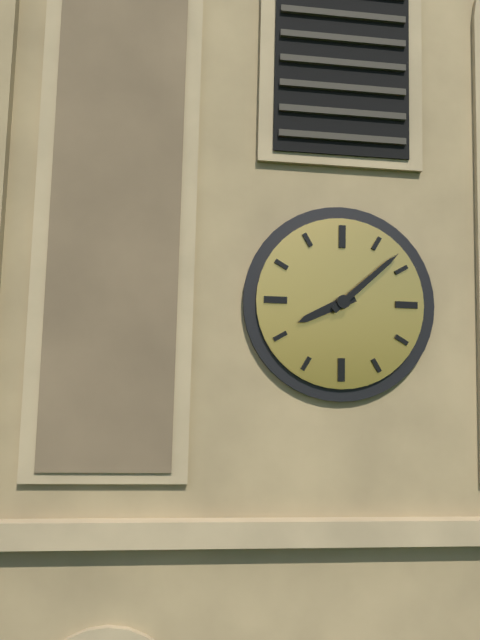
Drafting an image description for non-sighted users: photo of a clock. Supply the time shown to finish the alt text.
8:08
